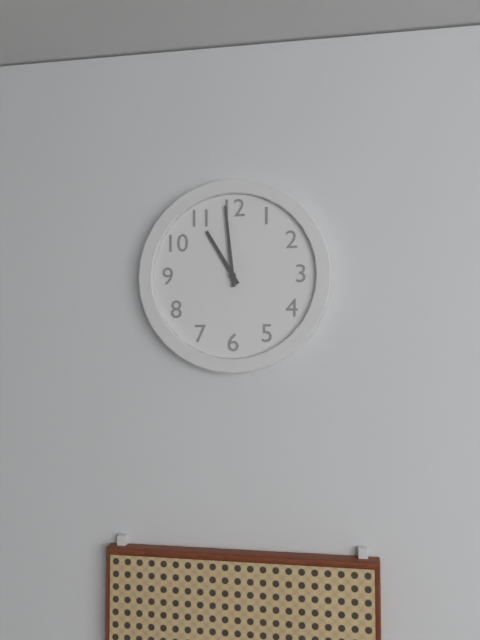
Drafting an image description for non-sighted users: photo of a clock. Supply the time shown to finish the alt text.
10:59
